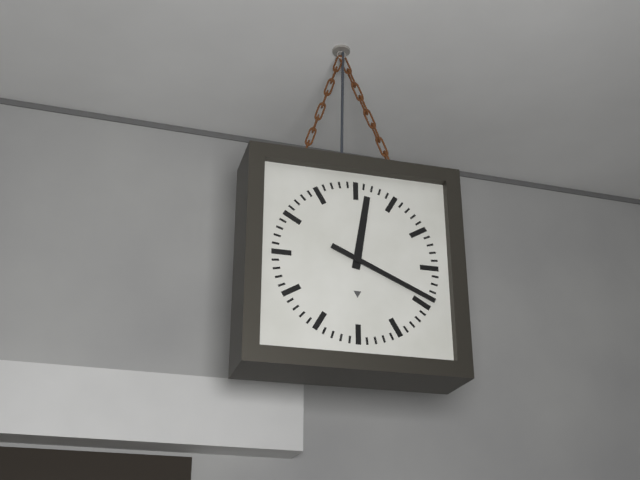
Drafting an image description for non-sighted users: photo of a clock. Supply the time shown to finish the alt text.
12:19
